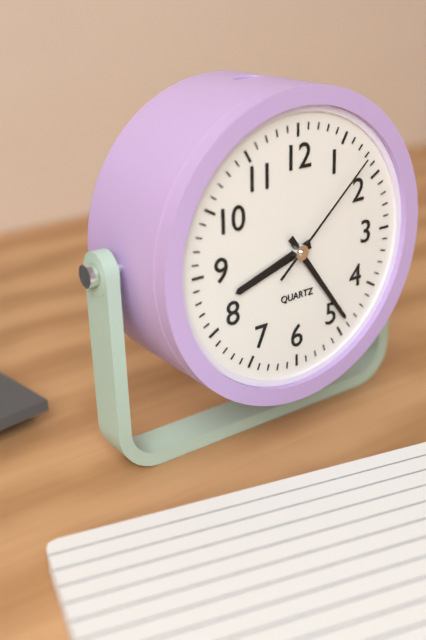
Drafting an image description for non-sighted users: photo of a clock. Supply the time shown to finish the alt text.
8:24:08
